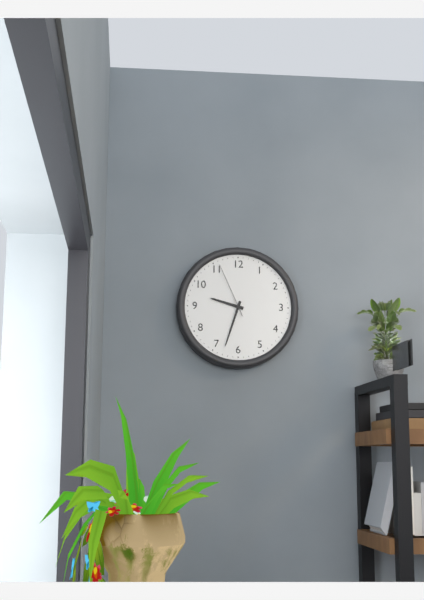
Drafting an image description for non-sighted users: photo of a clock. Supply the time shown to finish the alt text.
9:33:56
